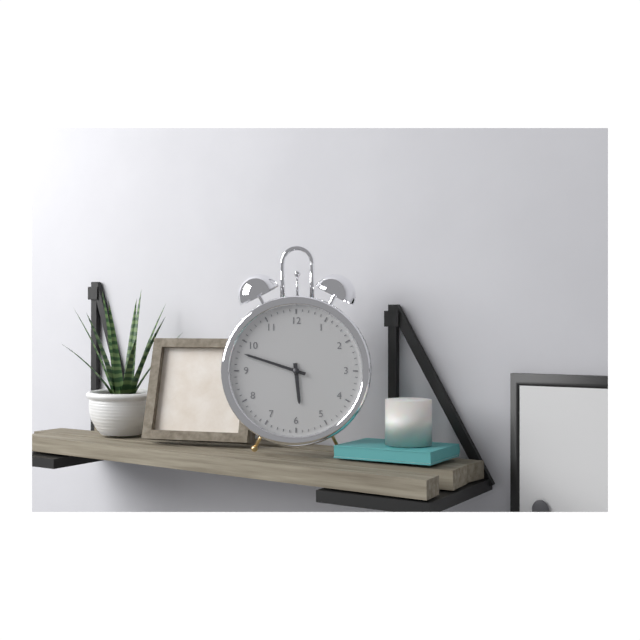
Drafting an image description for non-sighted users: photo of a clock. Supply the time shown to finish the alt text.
5:48
